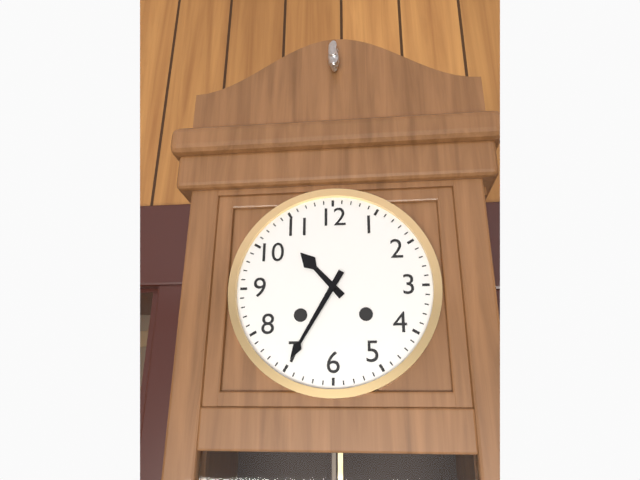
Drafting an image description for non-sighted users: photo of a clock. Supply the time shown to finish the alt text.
10:35
